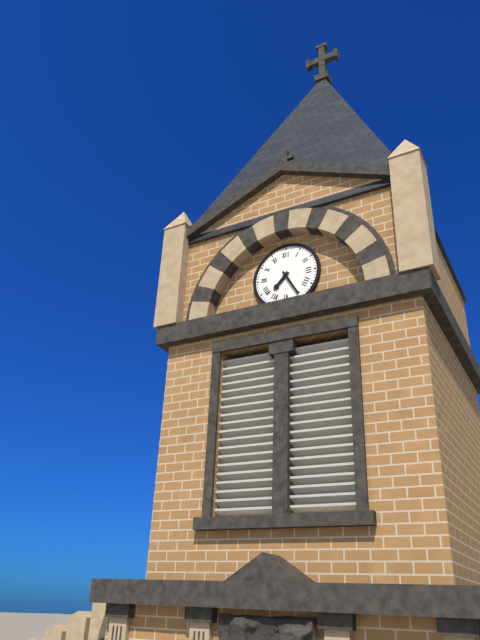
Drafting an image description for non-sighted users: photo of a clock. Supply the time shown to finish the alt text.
7:25
